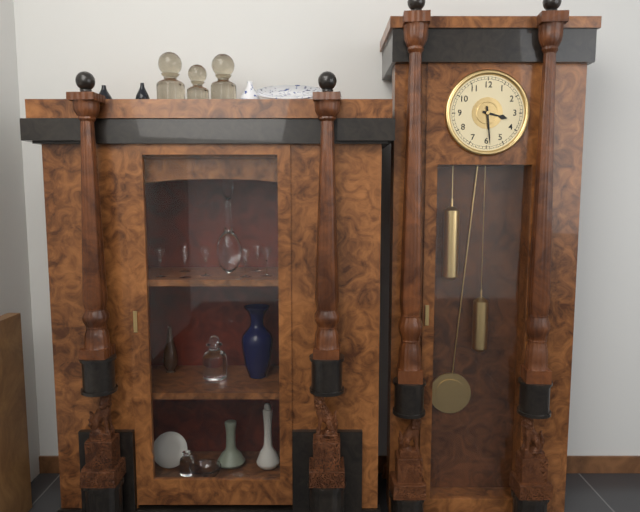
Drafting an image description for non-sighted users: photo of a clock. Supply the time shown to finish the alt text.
3:29
